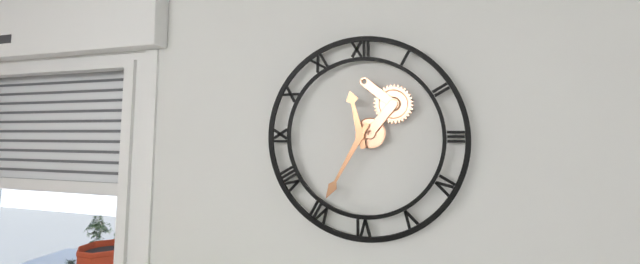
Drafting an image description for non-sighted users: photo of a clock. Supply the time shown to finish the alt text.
11:35
